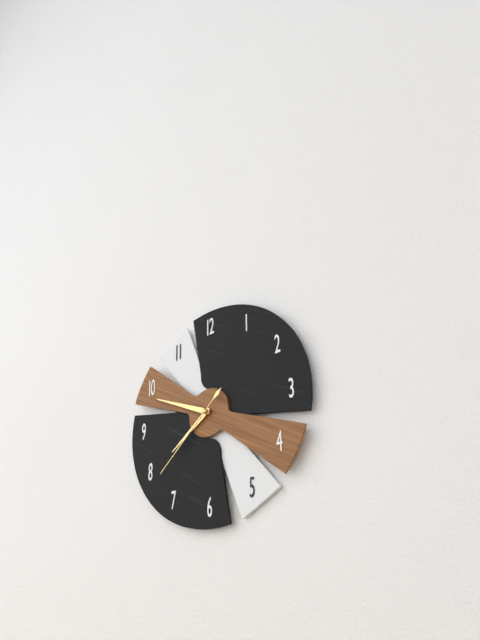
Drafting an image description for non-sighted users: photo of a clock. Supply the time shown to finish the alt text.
7:49:38
